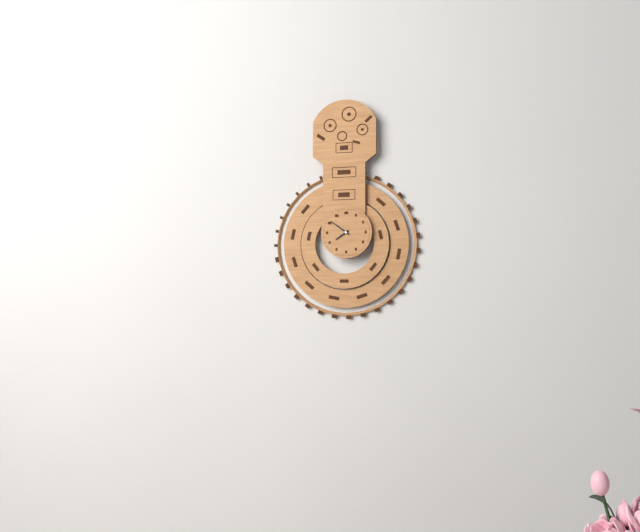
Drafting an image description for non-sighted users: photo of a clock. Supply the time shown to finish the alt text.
7:51
